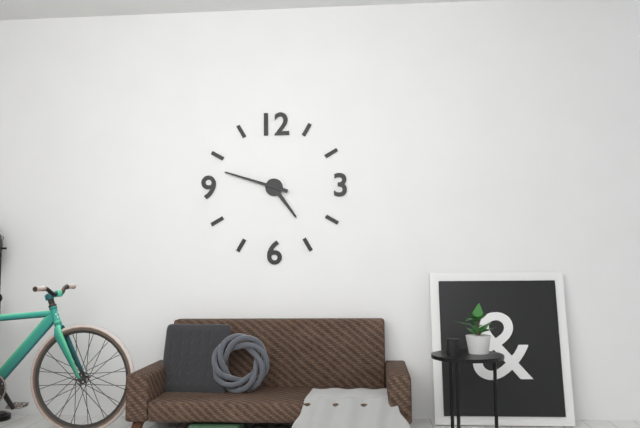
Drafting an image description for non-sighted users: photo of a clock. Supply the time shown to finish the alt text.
4:48
